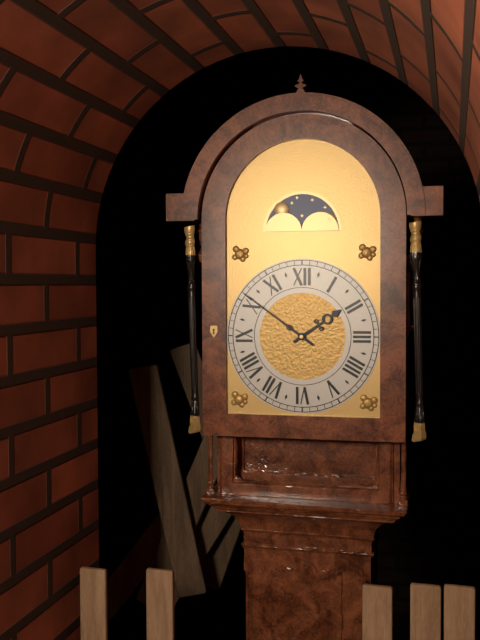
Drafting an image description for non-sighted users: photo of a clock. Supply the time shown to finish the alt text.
1:51
